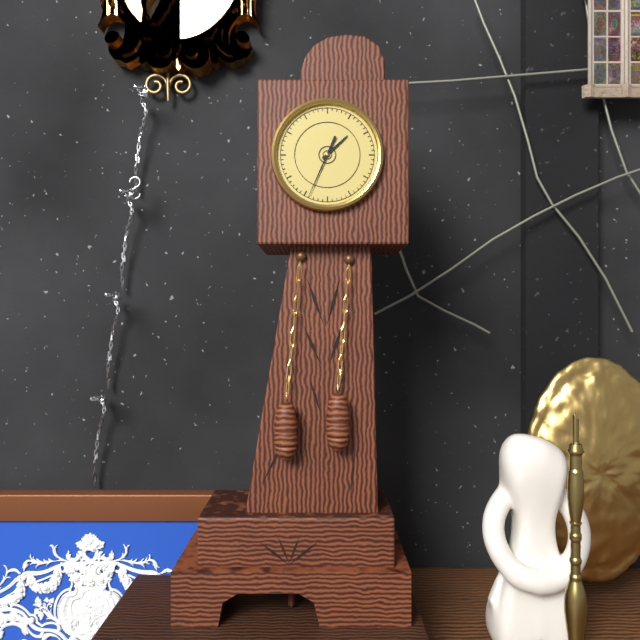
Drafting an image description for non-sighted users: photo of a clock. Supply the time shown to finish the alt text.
1:34
